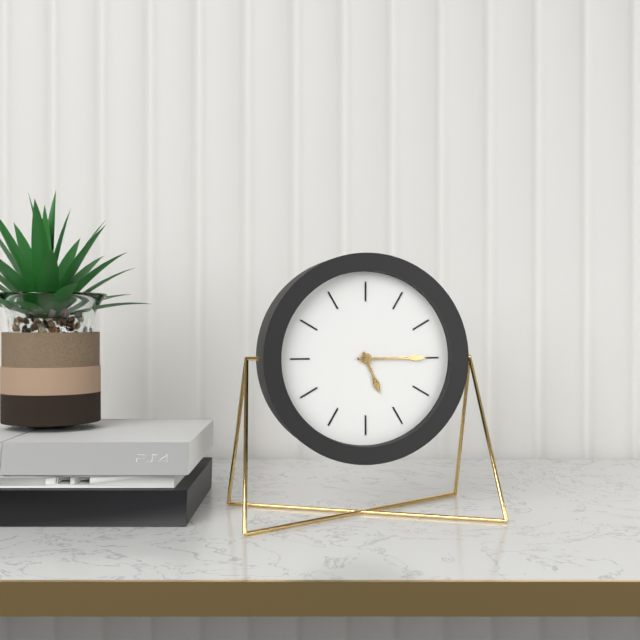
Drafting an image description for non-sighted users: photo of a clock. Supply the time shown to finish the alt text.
5:15
